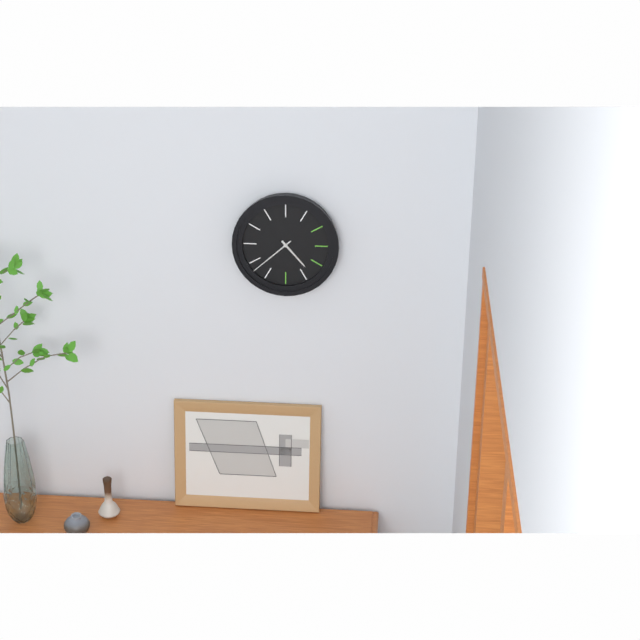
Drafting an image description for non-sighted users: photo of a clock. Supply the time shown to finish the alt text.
4:38
